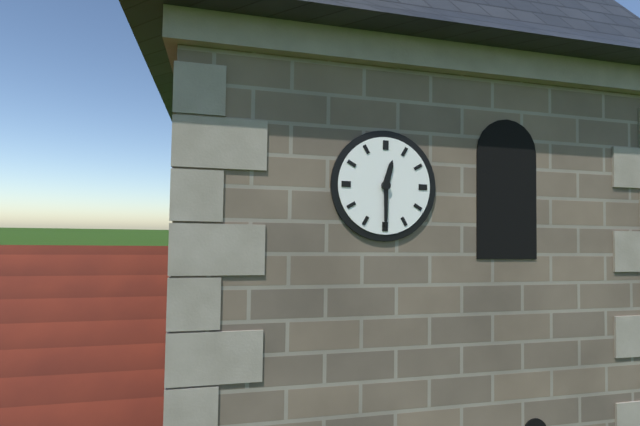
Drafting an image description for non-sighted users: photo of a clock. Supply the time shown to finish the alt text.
12:30
